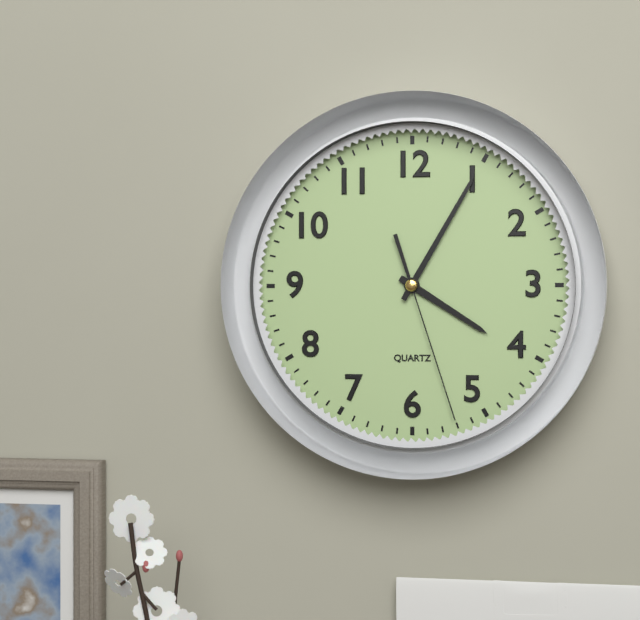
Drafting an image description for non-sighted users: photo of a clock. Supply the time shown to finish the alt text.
4:05:27
